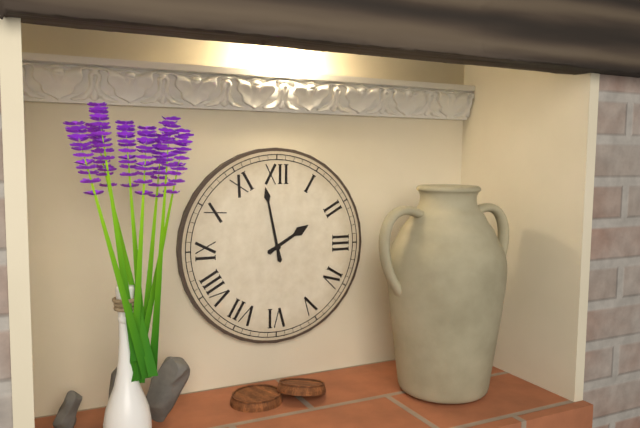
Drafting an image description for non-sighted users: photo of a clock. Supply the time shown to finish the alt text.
1:58
